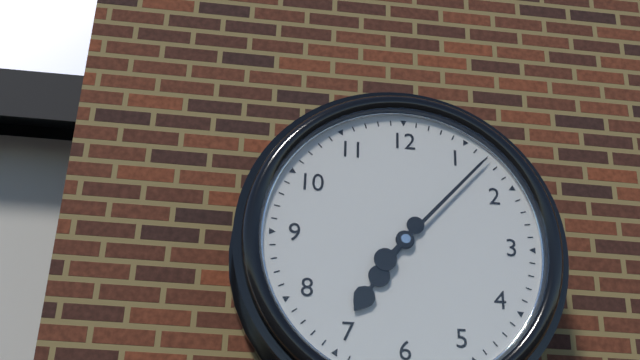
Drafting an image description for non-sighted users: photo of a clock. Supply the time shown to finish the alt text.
7:07
